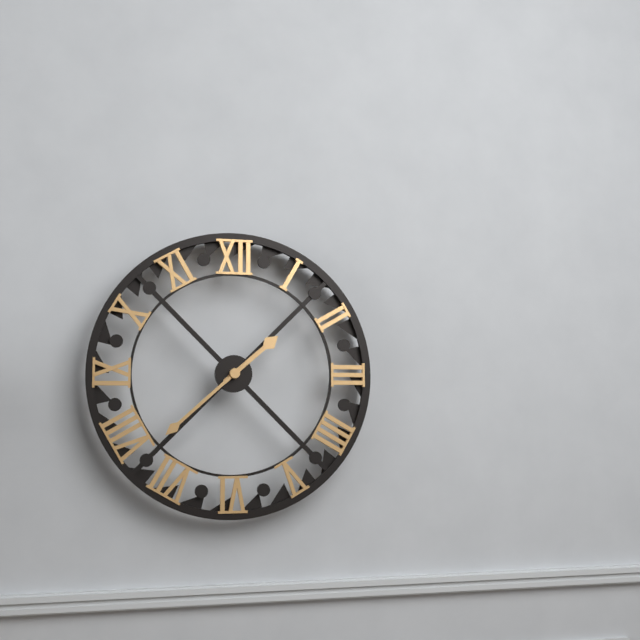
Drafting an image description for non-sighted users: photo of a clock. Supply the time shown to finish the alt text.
1:38
